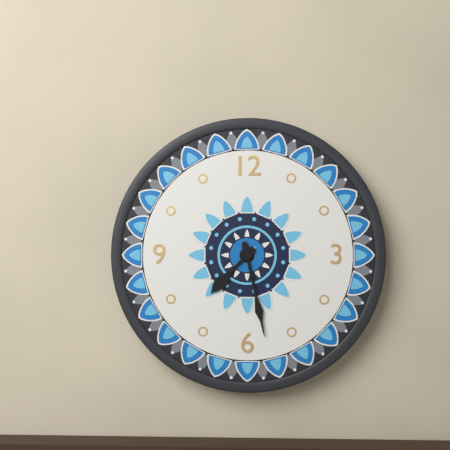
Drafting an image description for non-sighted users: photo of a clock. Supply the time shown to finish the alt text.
7:28
